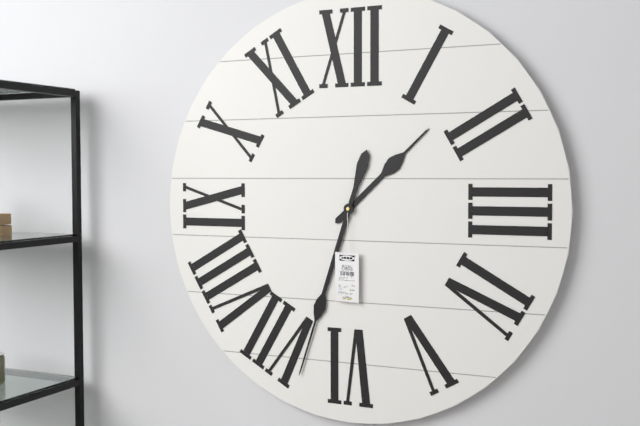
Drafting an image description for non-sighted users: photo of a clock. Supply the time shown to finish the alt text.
1:33
